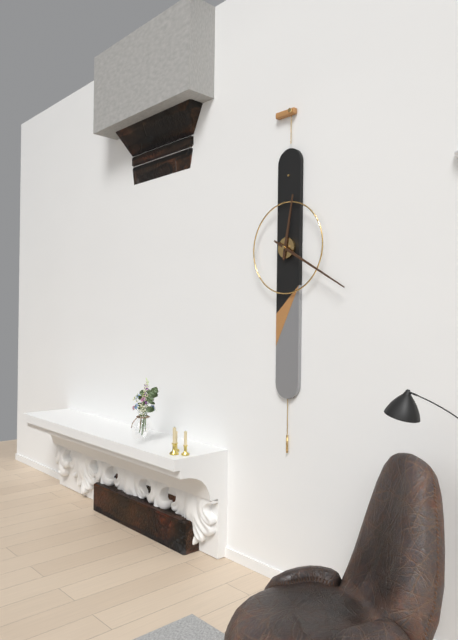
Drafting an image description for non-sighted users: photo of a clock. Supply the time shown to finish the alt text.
12:20
